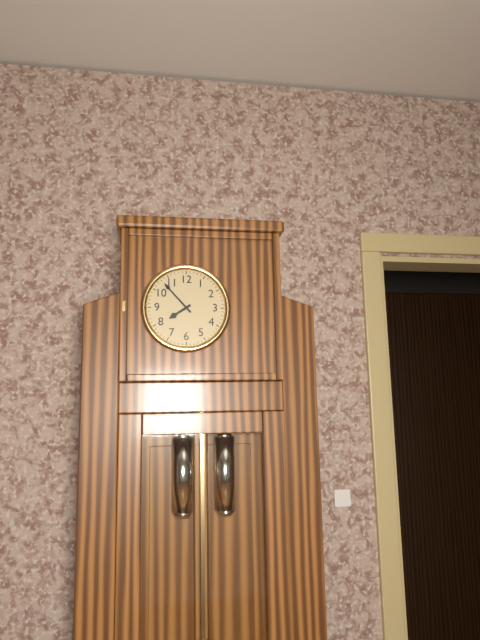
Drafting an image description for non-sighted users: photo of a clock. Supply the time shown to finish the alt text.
7:53
